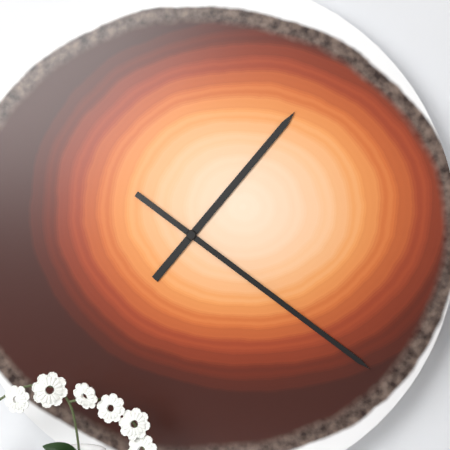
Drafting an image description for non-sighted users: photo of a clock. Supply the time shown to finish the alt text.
1:21
